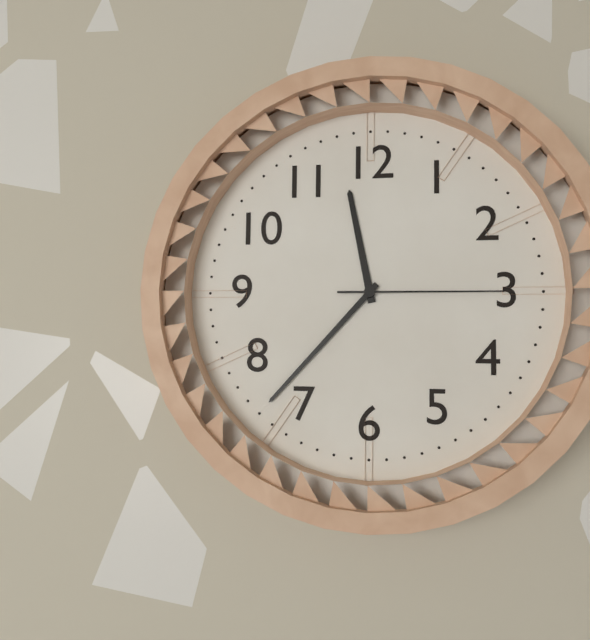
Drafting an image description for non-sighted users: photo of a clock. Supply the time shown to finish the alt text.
11:37:15
